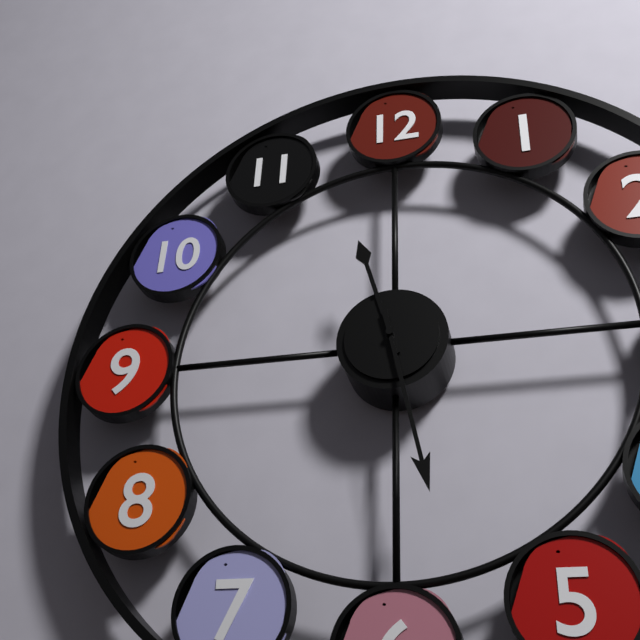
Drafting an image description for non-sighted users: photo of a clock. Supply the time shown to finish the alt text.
11:28
